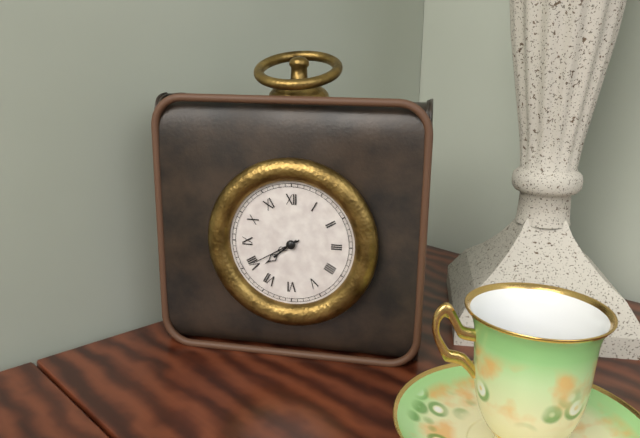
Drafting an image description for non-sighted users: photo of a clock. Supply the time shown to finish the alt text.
7:40
